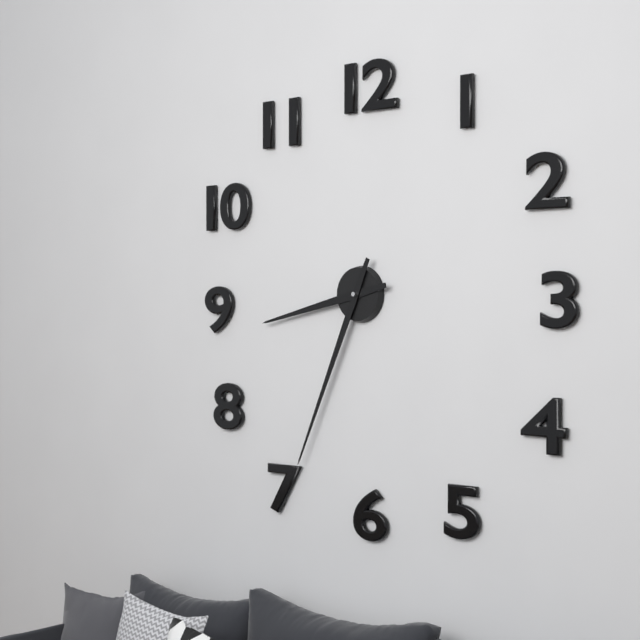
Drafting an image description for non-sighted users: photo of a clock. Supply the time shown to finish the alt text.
8:34
